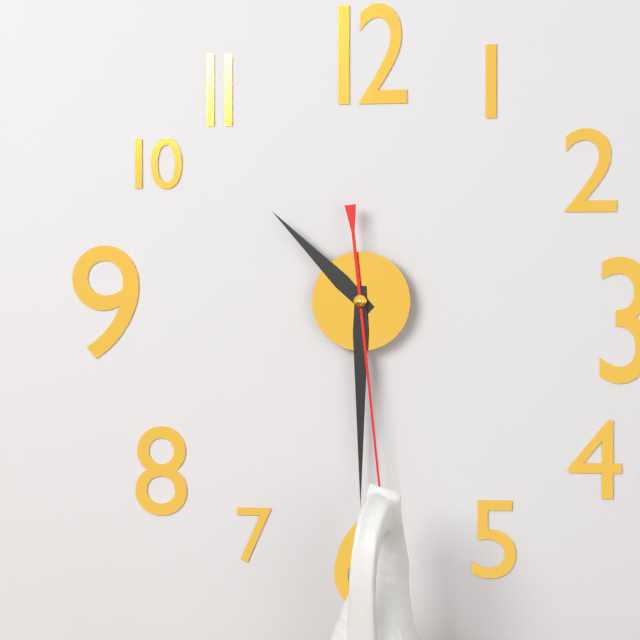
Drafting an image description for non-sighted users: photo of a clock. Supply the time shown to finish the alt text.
10:30:29
